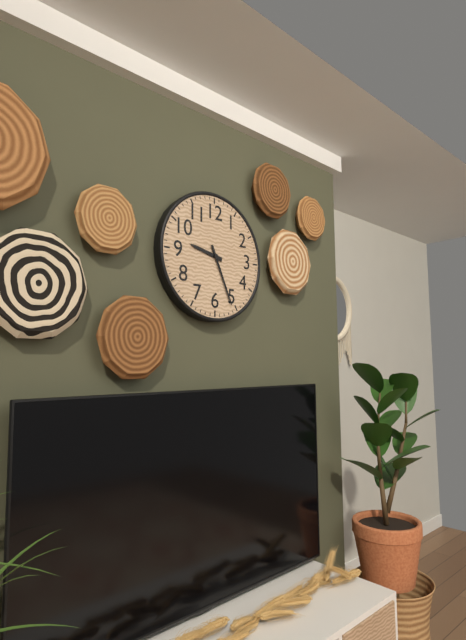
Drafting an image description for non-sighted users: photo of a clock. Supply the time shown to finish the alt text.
9:26
